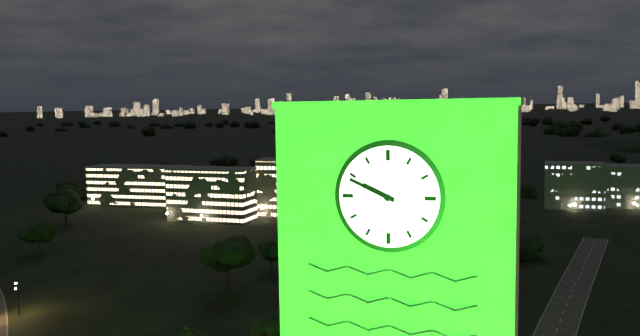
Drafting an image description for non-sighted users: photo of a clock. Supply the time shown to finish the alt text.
9:49
